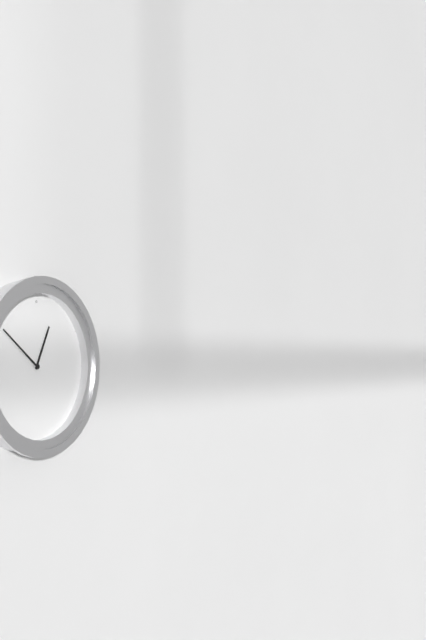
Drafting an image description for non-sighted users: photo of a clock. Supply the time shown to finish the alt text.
12:51
